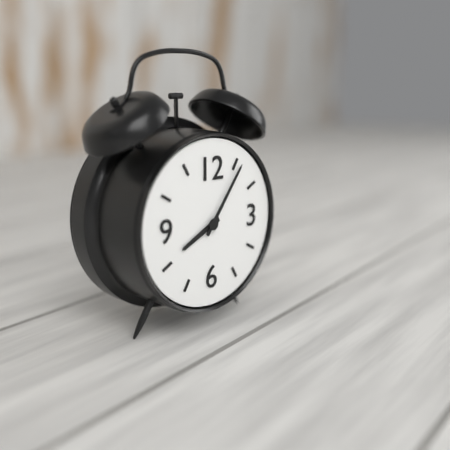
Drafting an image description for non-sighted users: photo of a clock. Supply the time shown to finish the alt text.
8:06
